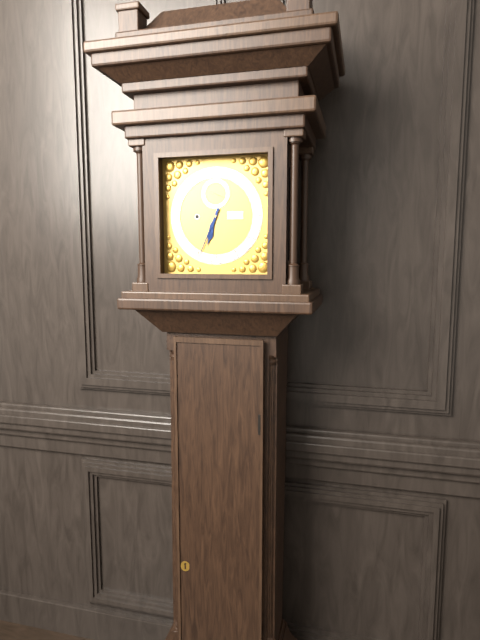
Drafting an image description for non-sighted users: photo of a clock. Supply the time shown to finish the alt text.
6:34
